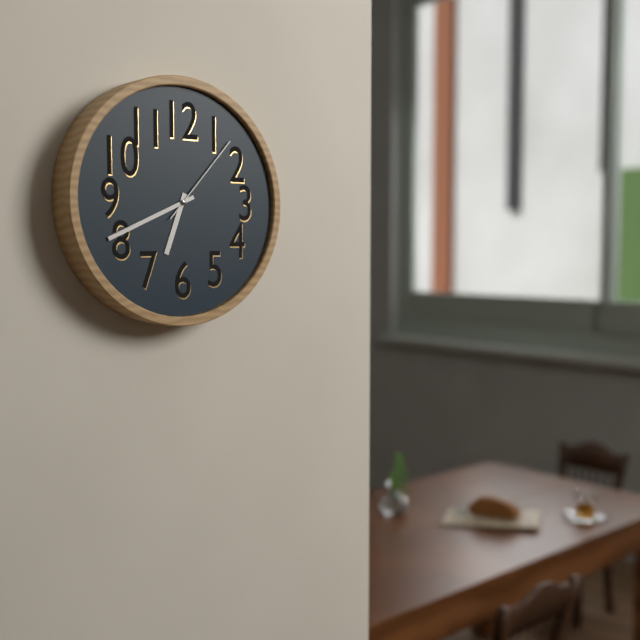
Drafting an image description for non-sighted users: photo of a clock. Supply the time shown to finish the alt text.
6:41:07
